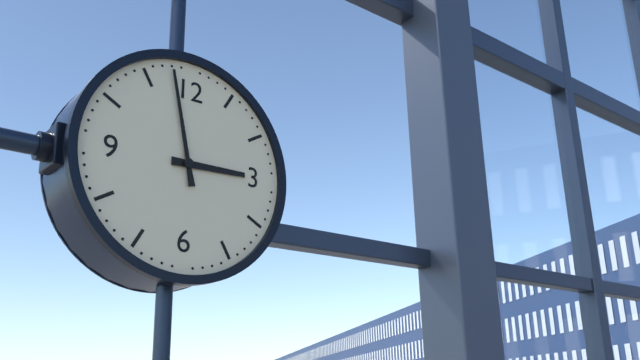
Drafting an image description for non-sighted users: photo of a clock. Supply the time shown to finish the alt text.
2:58
